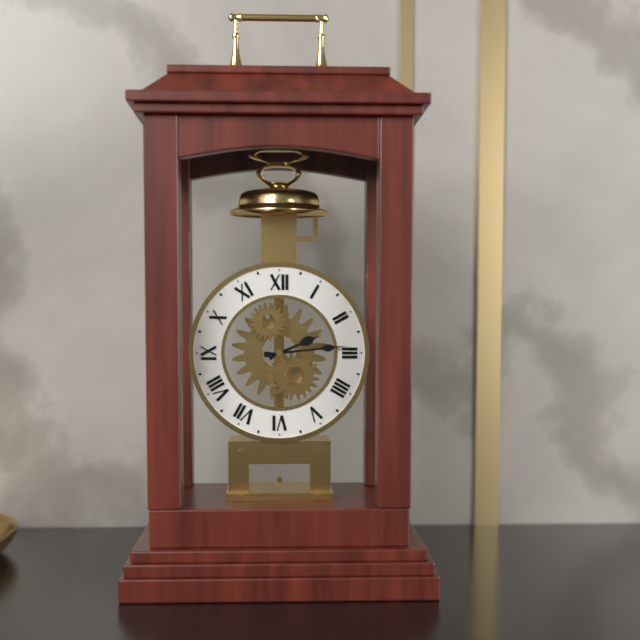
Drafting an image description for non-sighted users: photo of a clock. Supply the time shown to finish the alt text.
2:14
